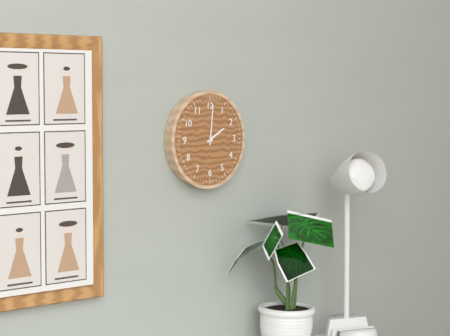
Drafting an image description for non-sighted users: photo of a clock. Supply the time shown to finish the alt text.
2:01
